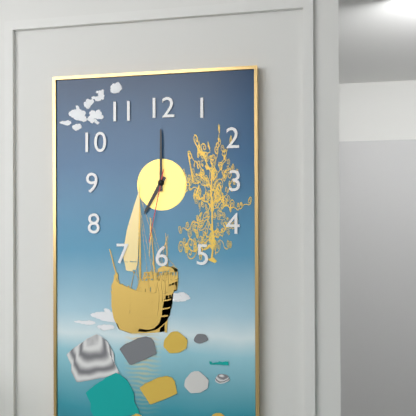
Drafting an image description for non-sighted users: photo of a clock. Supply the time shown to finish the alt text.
7:00:32
